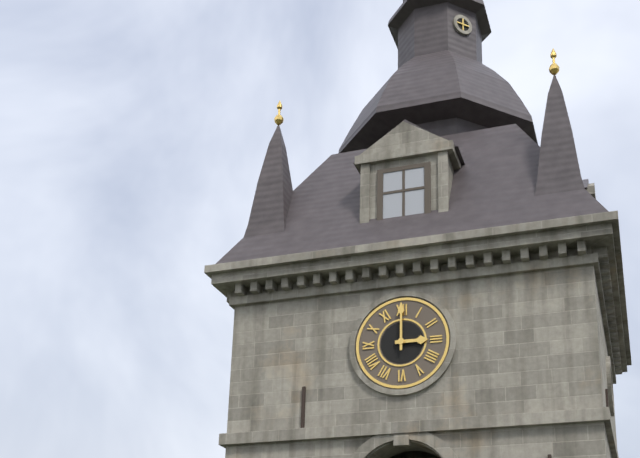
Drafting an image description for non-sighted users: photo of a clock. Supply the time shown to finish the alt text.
3:00
